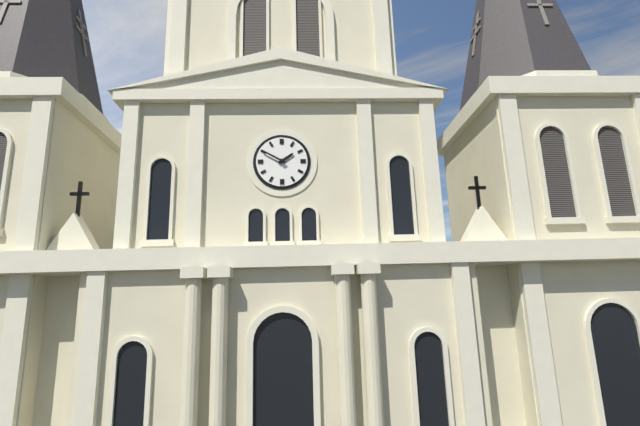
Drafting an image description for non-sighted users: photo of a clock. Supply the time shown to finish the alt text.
1:50
